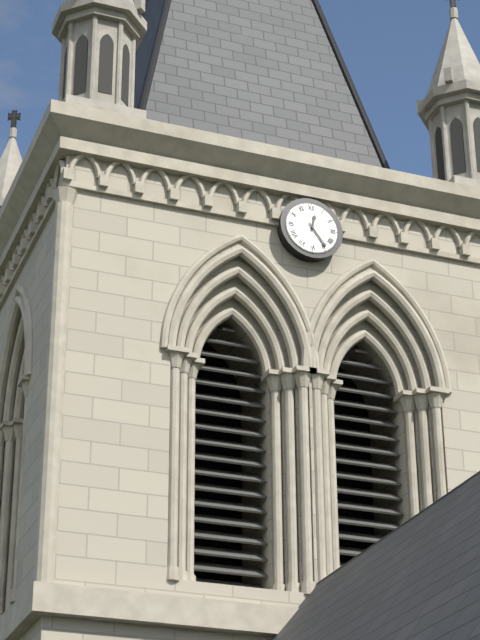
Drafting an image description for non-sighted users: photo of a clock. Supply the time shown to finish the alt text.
12:24
